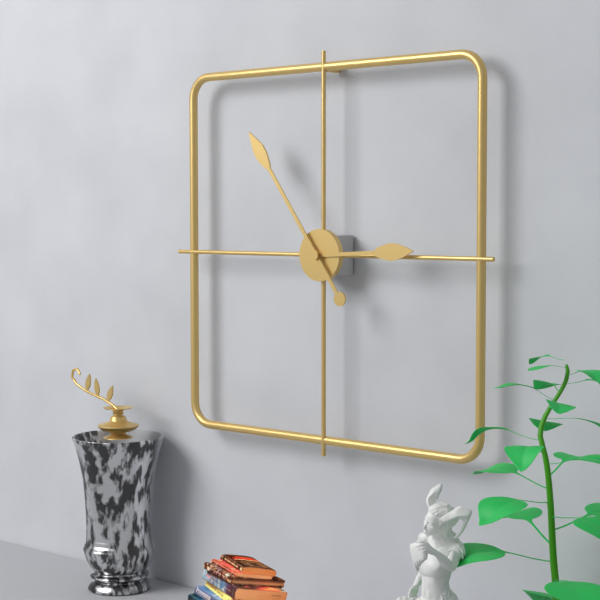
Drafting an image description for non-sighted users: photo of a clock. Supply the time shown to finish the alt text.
2:54
